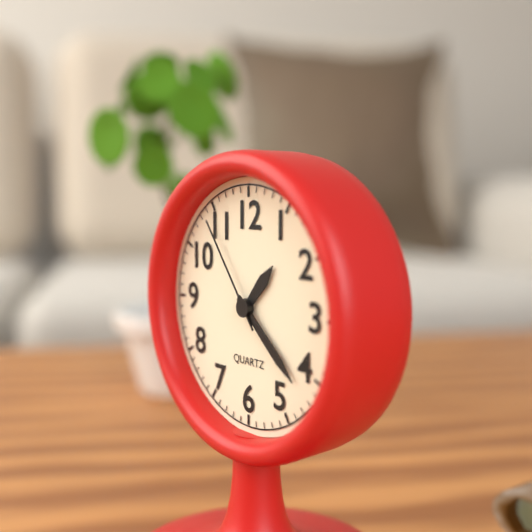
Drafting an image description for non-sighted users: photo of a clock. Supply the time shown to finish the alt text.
1:22:54
